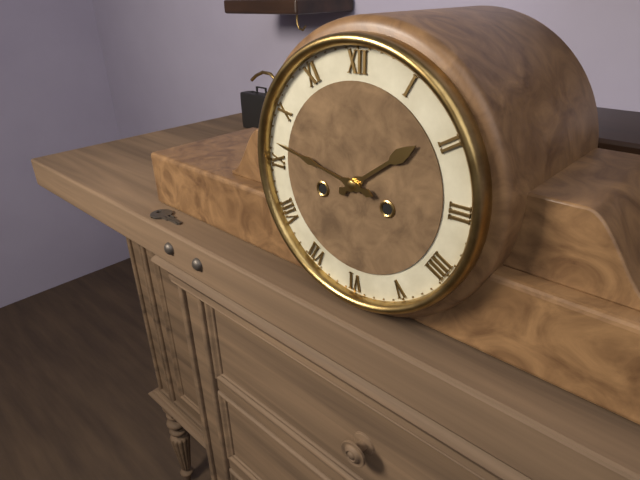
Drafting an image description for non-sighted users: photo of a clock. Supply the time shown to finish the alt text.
1:47
